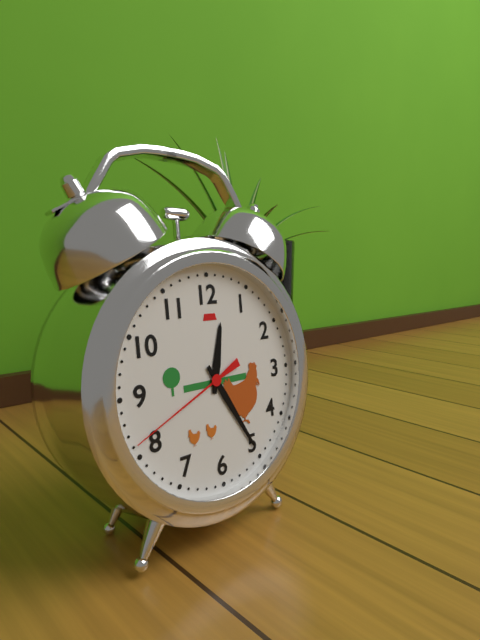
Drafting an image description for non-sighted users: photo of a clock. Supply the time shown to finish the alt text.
12:25:41
